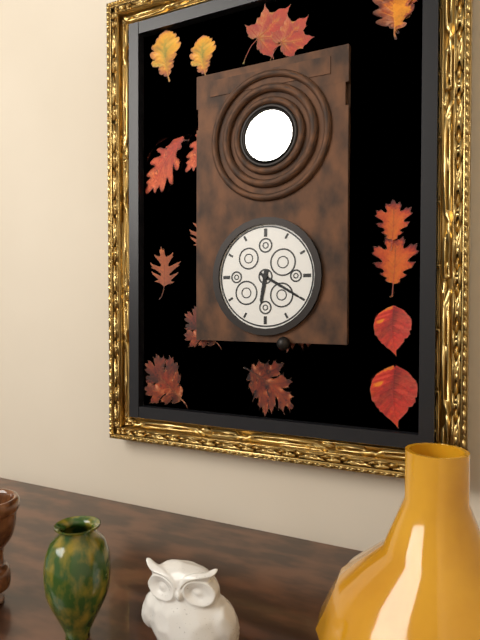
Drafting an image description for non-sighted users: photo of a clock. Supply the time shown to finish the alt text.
6:20
